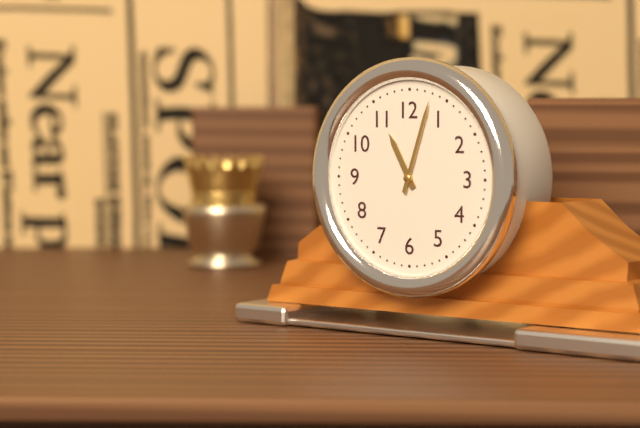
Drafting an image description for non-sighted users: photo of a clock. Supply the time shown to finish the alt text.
11:03
